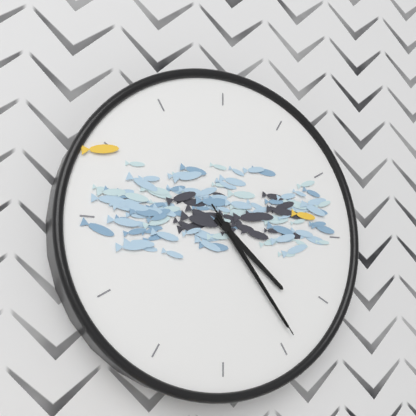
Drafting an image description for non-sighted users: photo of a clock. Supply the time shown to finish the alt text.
4:24:24
